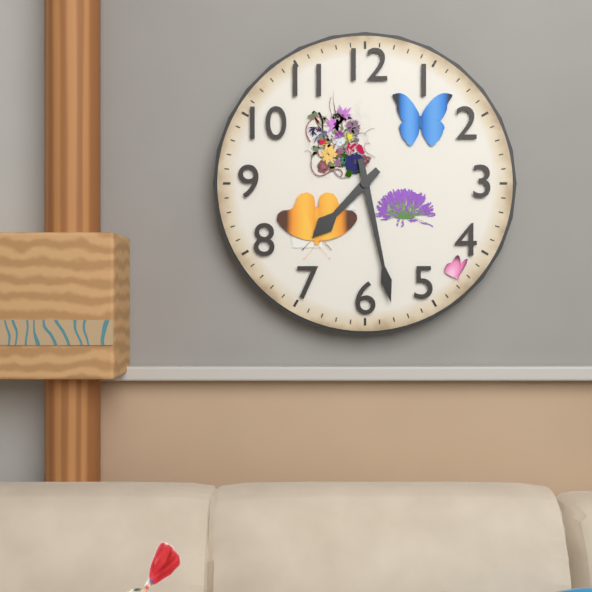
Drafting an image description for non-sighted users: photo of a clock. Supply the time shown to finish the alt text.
7:28
